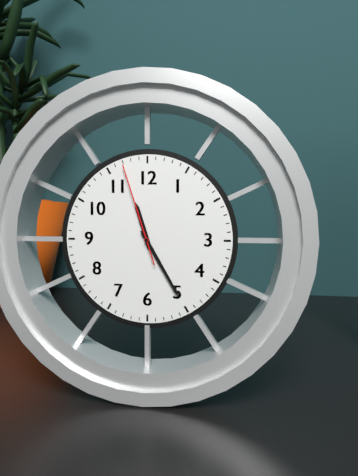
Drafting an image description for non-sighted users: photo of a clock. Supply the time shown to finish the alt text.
11:25:57
